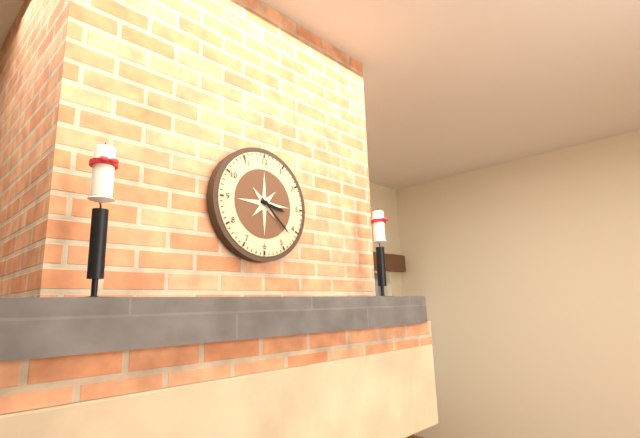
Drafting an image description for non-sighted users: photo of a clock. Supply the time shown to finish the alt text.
3:22
